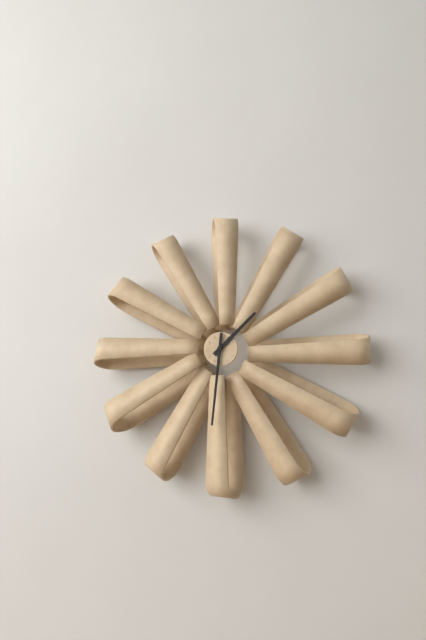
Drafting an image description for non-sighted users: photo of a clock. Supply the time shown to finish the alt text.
1:31
